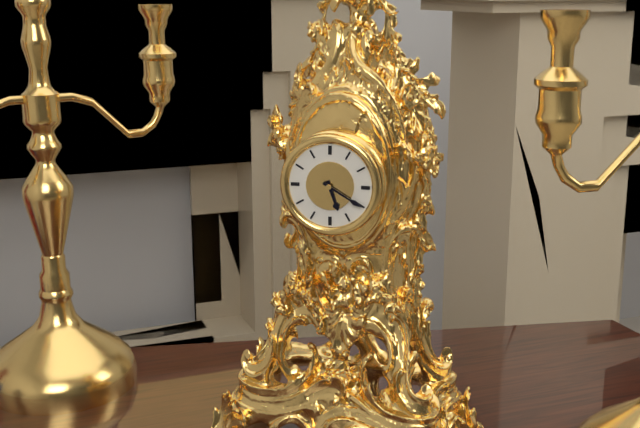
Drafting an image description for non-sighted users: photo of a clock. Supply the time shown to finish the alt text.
5:20
